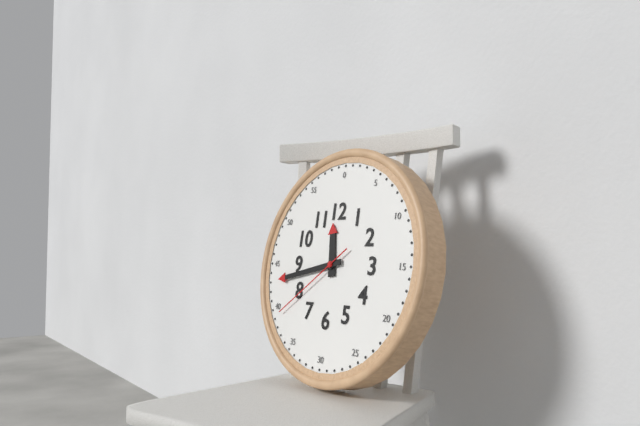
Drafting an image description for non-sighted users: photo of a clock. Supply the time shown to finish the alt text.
11:43:39
